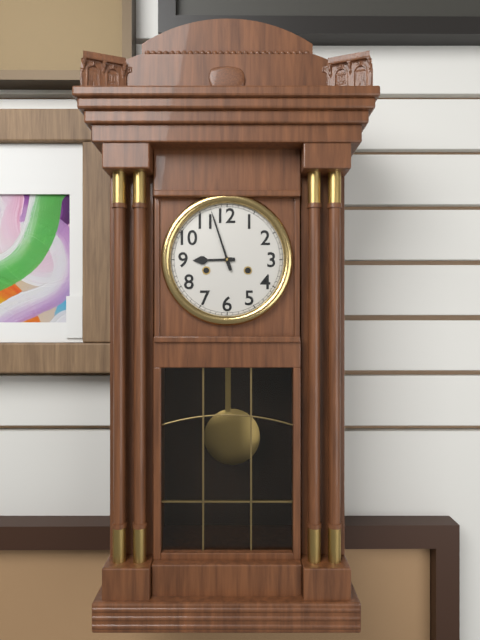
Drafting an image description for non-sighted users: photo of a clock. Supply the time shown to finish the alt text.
8:57
